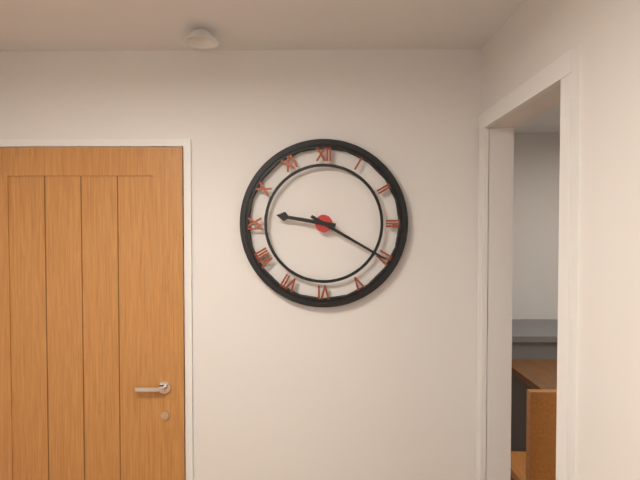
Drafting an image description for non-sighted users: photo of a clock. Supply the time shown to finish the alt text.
9:20
